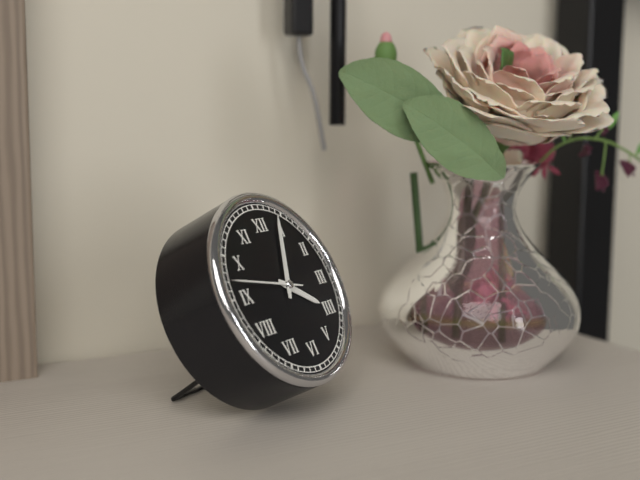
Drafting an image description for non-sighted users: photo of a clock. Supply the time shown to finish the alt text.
4:04:47
